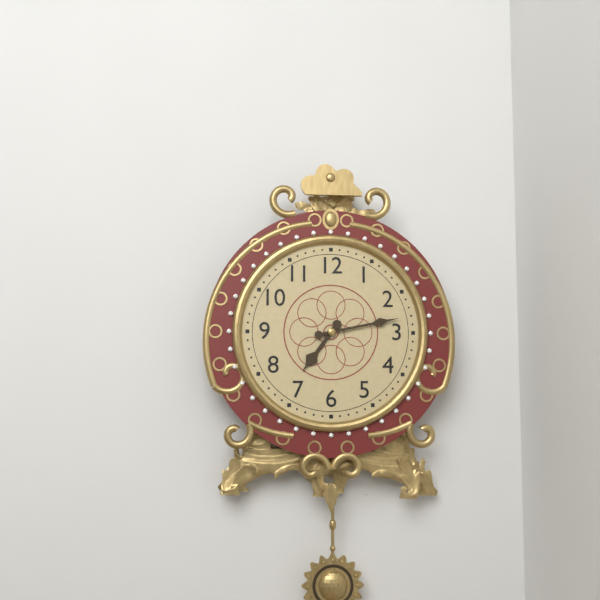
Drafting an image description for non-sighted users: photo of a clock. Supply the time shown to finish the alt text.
7:13
